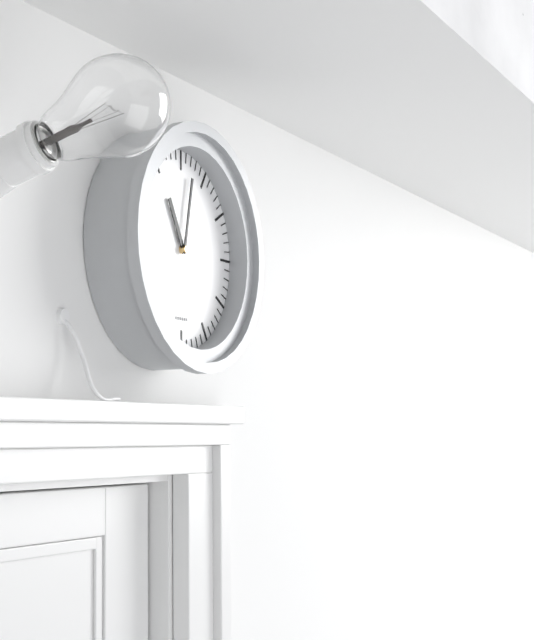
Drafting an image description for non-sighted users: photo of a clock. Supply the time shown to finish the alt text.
11:02
